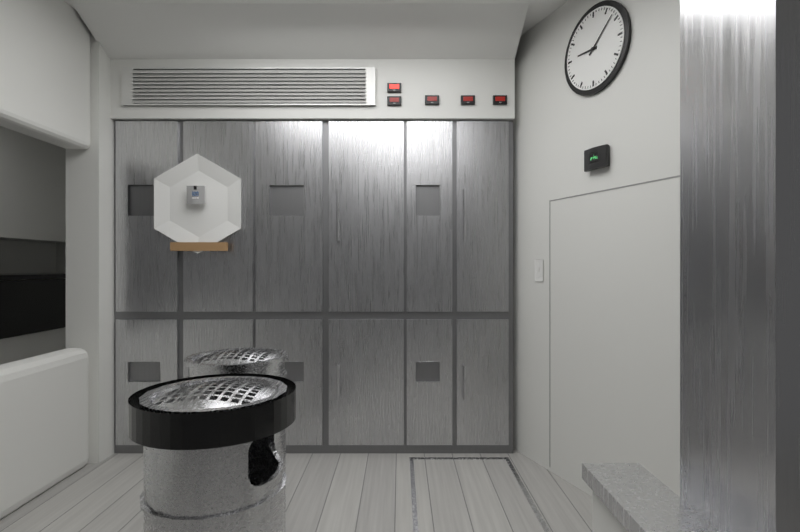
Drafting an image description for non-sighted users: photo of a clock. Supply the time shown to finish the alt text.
9:08
